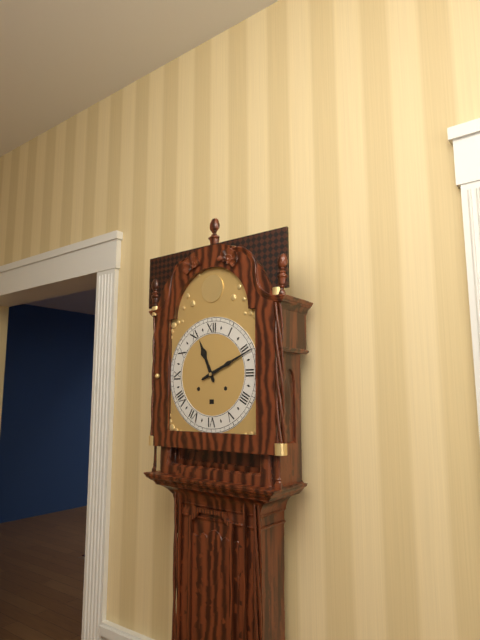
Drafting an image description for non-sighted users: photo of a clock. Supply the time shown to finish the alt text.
11:11
